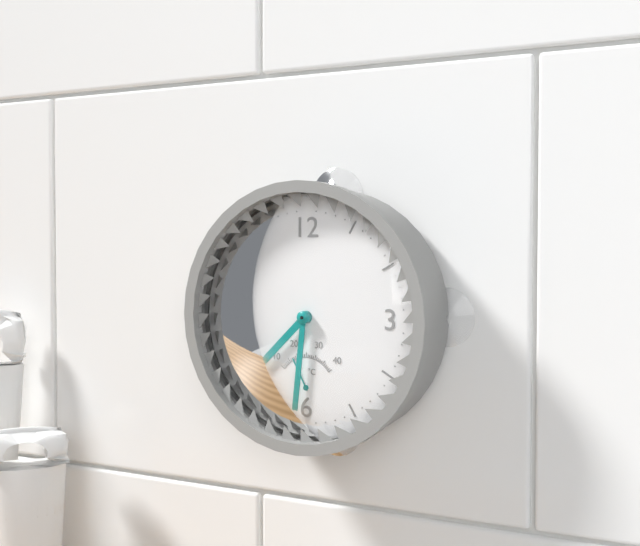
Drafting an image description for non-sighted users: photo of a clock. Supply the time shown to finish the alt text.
7:31
